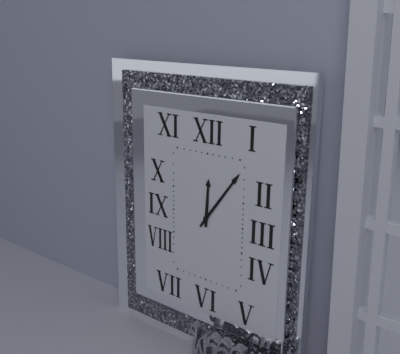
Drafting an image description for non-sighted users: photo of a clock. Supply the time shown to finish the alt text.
12:06
